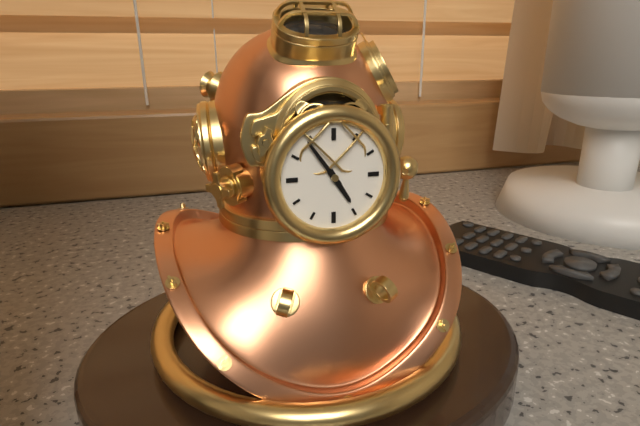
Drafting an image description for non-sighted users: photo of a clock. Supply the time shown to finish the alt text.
4:54
